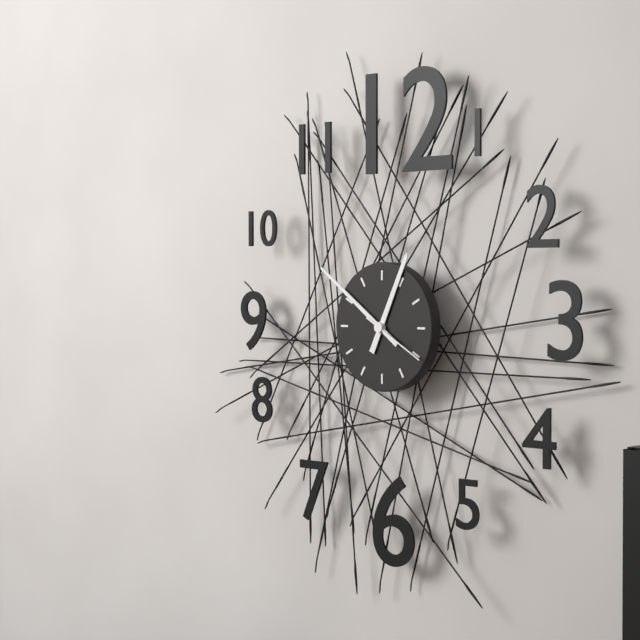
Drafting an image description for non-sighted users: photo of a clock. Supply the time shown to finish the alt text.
12:51:20
